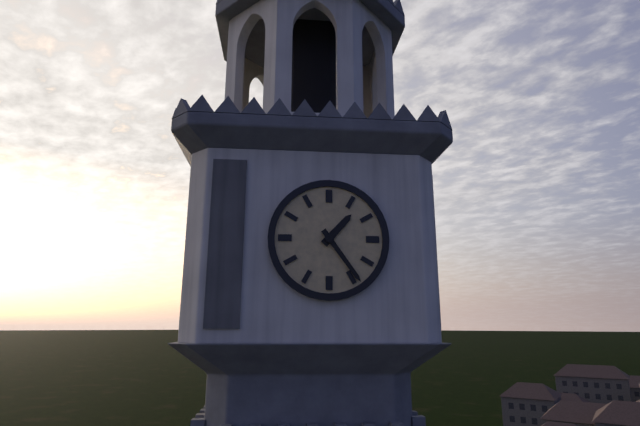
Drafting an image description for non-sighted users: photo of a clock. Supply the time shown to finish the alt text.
1:24
